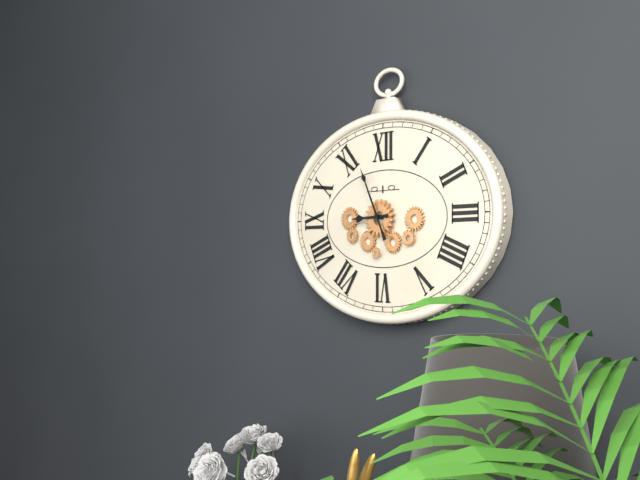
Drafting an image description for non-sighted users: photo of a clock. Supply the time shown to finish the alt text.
8:56
